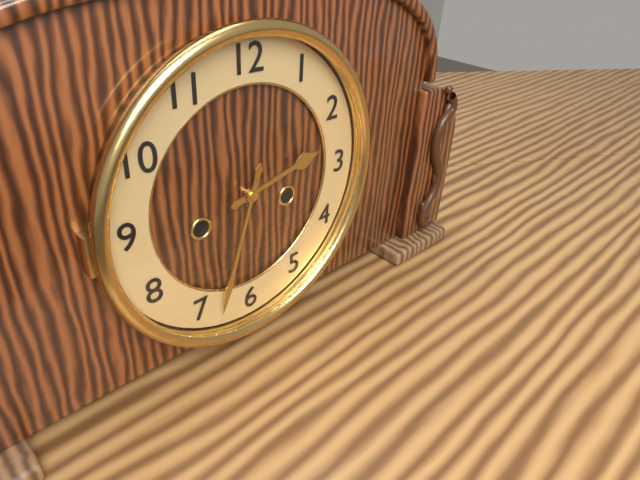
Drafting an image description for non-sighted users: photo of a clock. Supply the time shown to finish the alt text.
2:33
